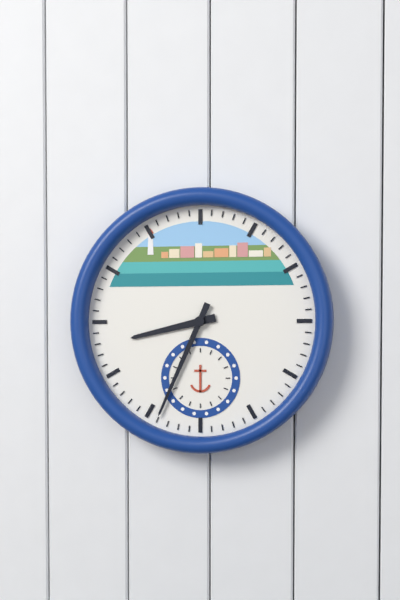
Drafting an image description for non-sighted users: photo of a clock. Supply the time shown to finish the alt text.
8:34
